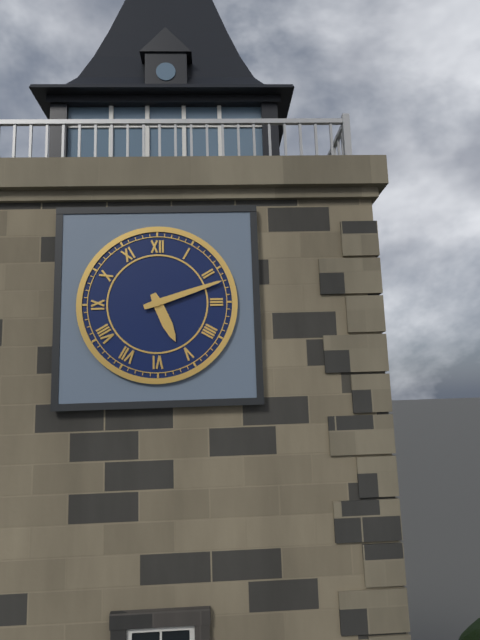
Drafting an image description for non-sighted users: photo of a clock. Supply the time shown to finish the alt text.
5:12
